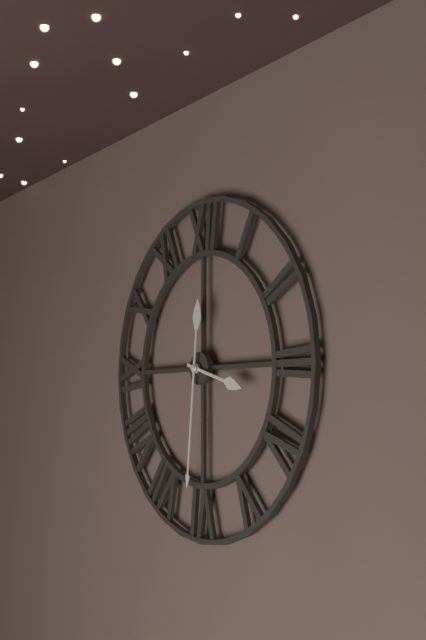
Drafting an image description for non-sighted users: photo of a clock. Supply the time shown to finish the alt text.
3:31
